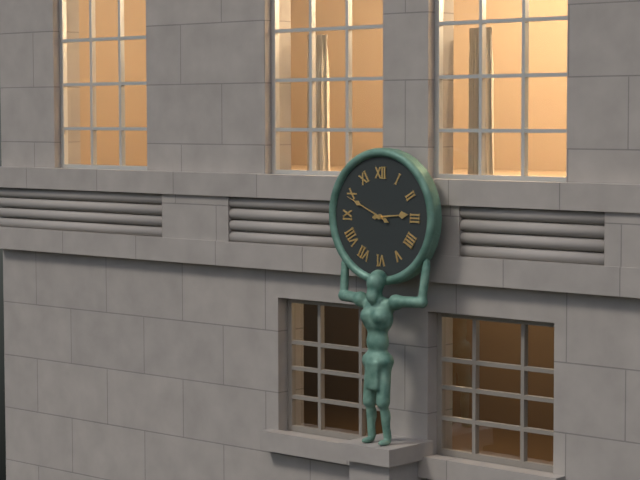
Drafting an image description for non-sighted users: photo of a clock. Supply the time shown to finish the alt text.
2:49
